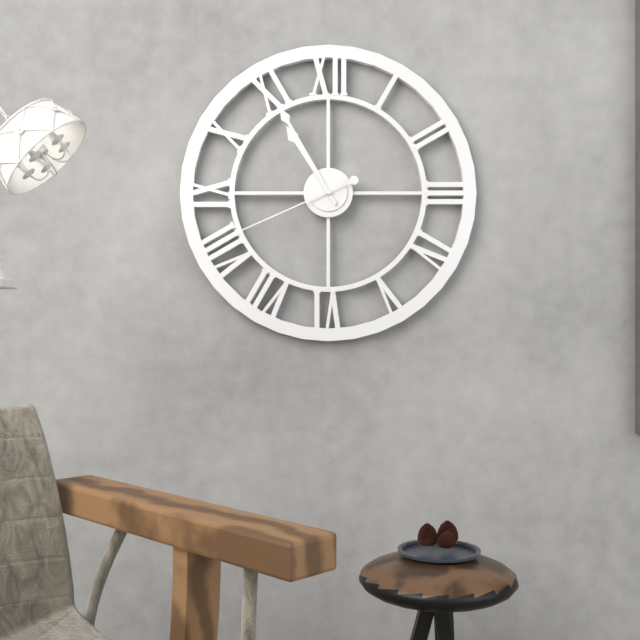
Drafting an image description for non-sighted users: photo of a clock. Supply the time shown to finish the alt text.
10:55:41
